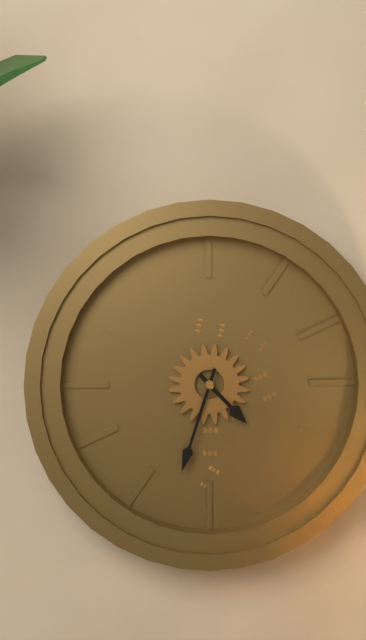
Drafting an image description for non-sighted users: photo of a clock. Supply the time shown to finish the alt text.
4:33
